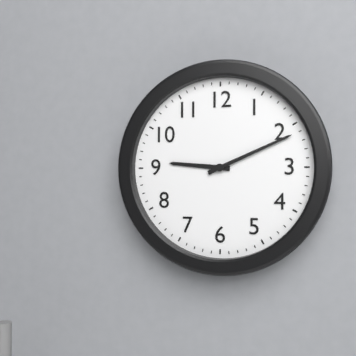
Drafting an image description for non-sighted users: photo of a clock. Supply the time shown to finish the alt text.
9:11
